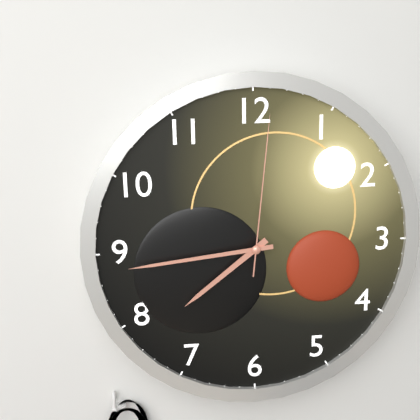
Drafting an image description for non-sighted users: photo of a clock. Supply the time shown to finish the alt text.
7:44:01
